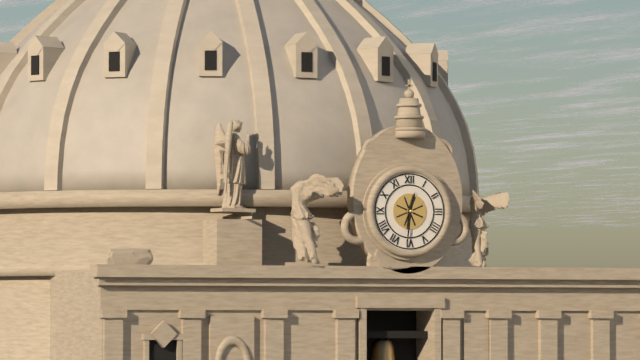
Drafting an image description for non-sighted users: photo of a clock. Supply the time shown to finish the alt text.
12:31
